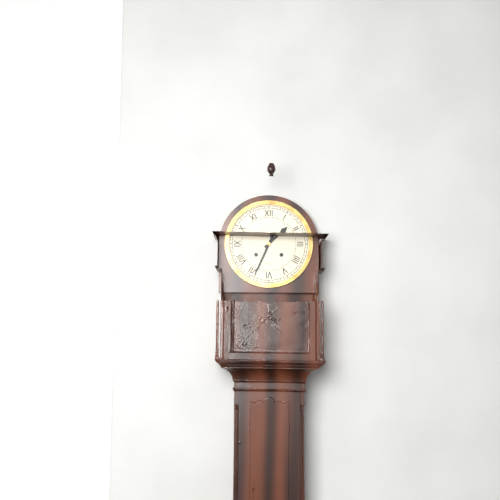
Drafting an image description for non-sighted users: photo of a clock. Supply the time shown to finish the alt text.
1:34
